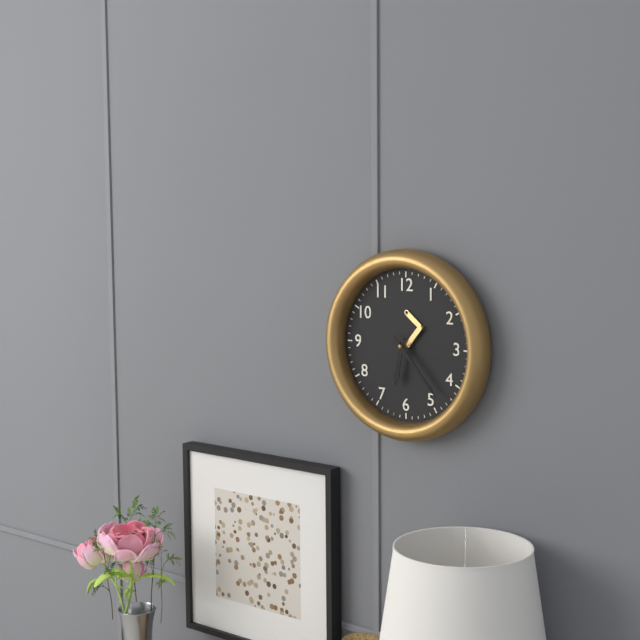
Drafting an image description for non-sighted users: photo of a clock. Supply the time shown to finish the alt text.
6:23
